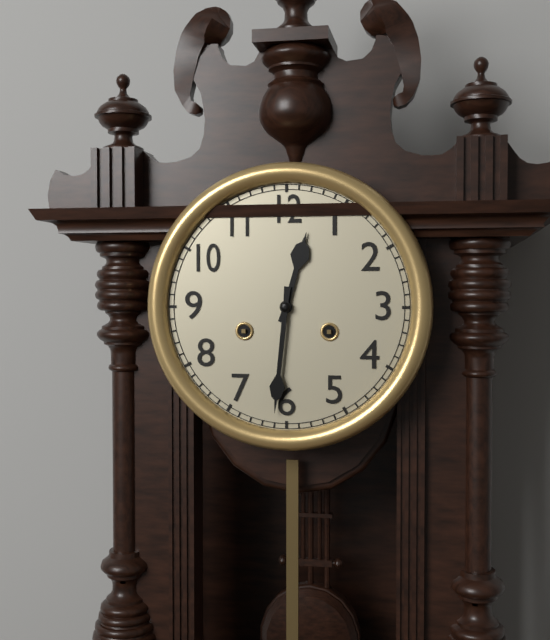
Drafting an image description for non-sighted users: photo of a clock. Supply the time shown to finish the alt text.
12:31
